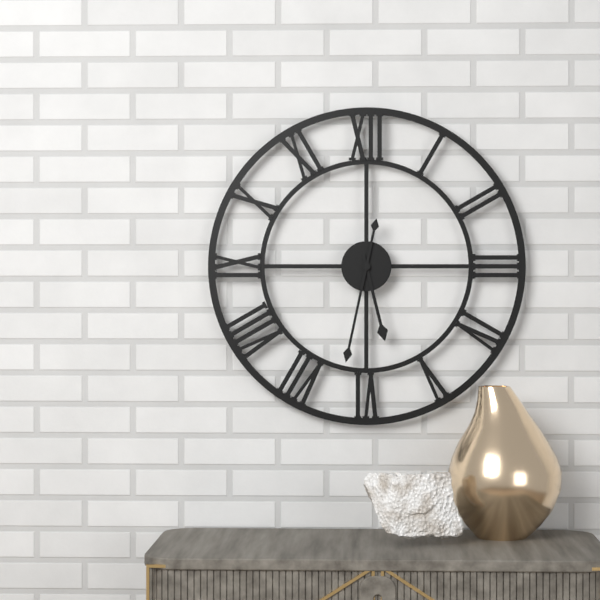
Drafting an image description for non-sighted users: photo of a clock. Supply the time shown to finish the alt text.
5:32
